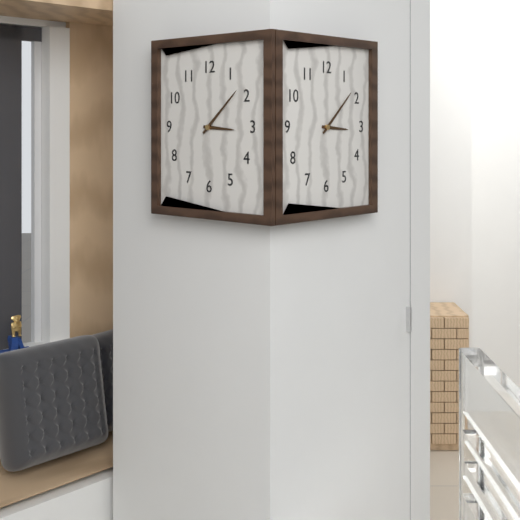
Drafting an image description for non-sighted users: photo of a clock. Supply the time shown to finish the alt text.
3:08
